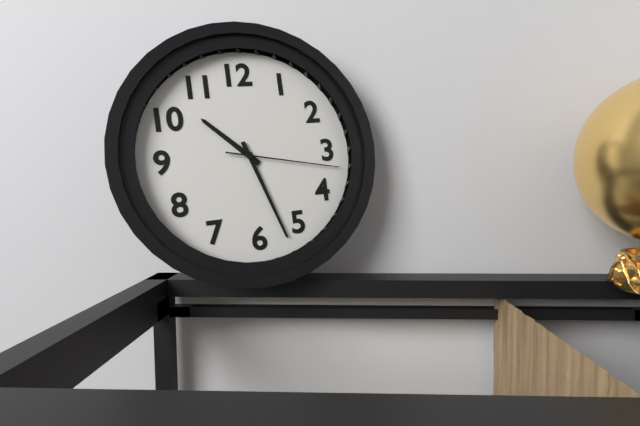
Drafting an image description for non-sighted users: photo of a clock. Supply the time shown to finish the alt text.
10:27:17
